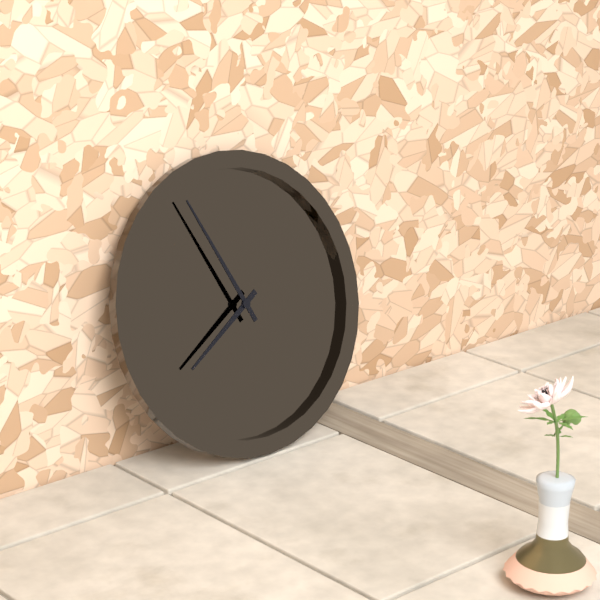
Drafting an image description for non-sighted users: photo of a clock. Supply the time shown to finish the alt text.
7:56
